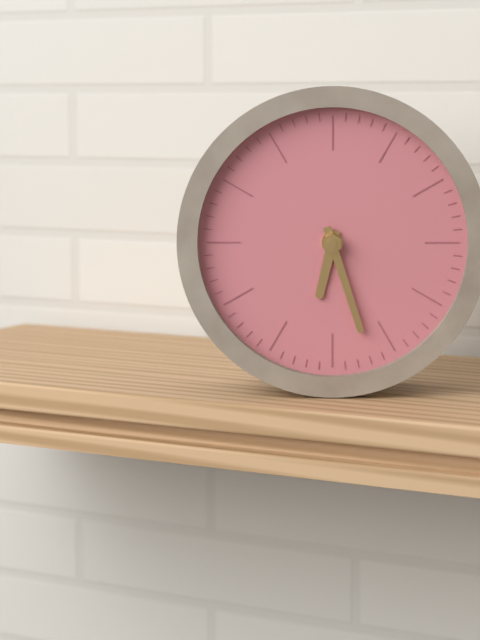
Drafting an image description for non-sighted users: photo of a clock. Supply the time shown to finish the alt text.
6:27
